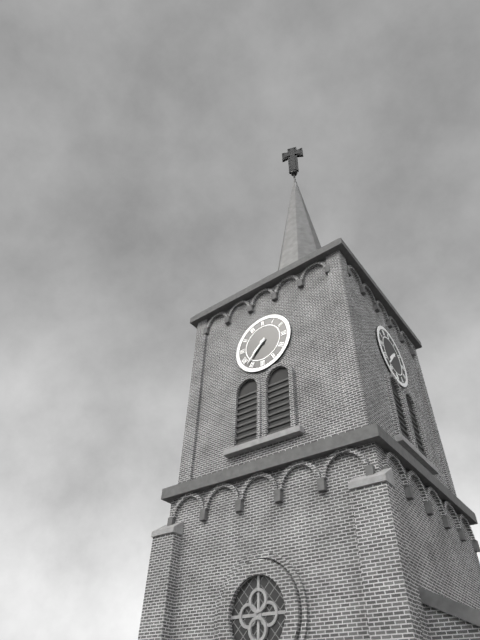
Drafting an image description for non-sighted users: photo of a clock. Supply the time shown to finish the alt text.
7:37
